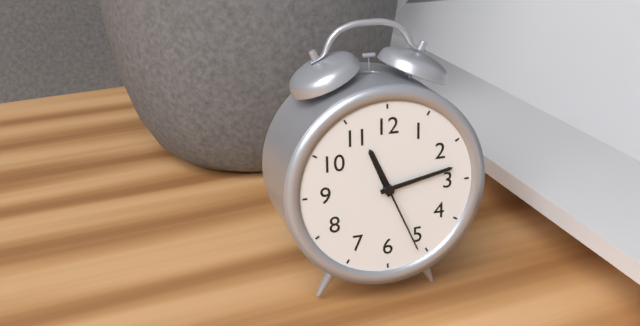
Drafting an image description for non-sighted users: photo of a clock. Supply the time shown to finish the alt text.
11:13:26
